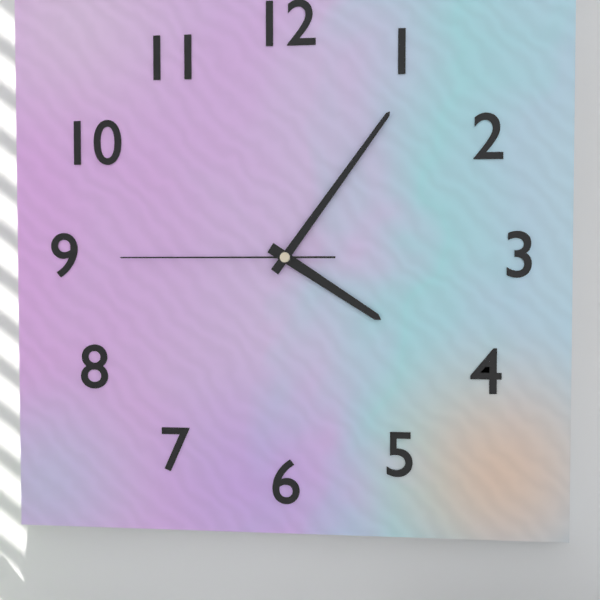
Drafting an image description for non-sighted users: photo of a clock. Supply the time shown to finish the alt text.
4:06:45
